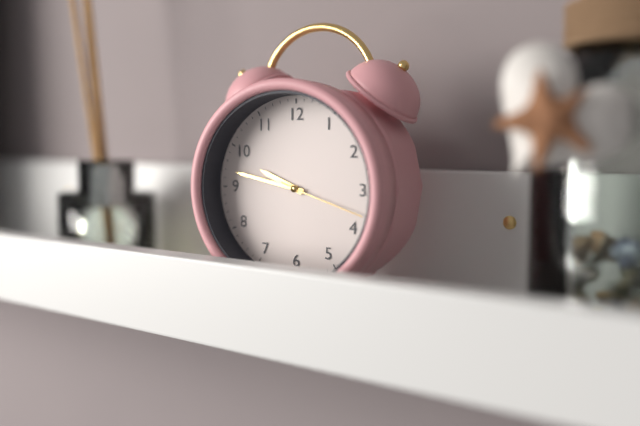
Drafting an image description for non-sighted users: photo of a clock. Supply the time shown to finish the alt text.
9:47:18
